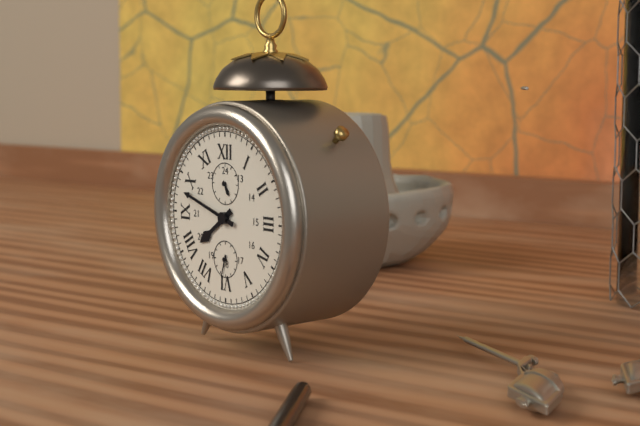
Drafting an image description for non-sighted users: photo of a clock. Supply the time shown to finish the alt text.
7:48:33
